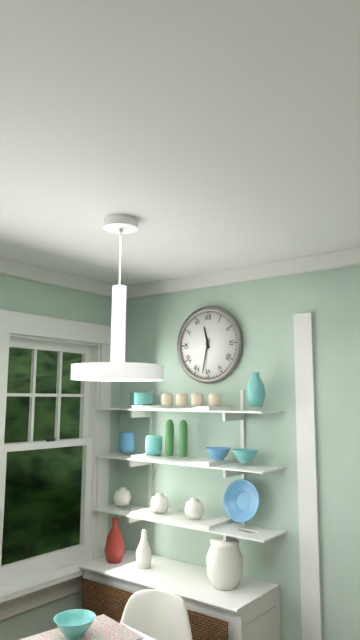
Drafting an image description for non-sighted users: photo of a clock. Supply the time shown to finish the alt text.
11:32
